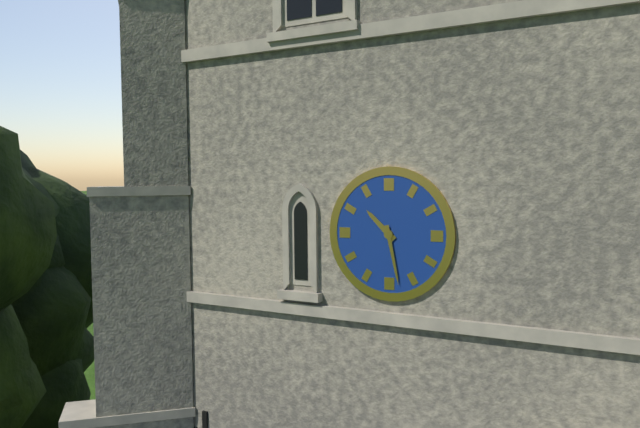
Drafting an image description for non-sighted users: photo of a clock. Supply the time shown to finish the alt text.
10:28
